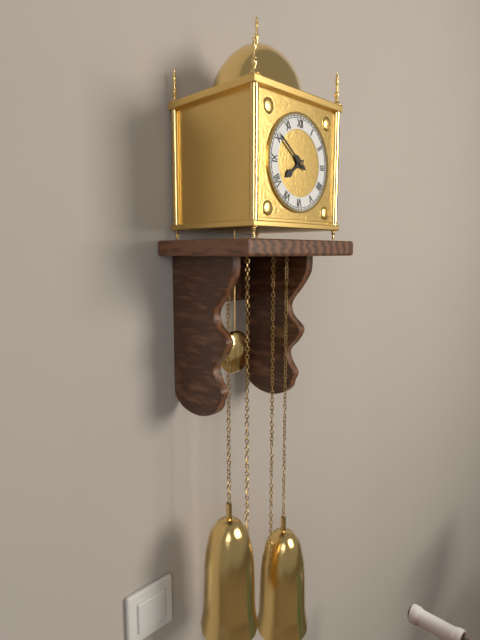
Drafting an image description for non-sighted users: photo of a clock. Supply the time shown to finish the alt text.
7:51
